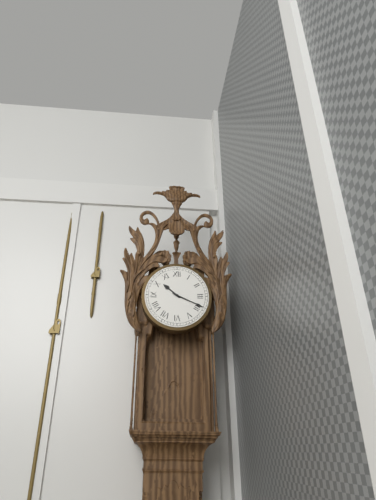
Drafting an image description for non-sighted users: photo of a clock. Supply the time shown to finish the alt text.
10:19
